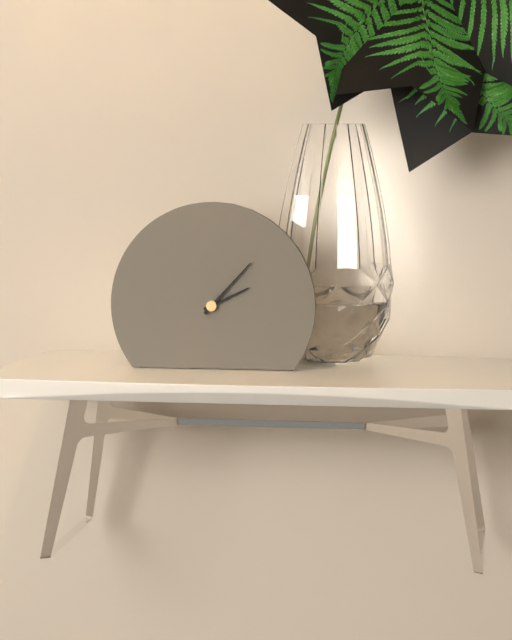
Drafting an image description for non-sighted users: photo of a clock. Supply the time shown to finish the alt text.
2:07
